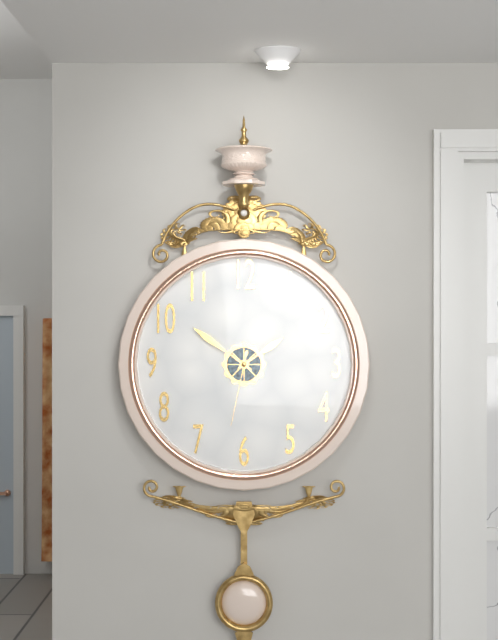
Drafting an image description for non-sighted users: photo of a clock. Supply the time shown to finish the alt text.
1:51:32
